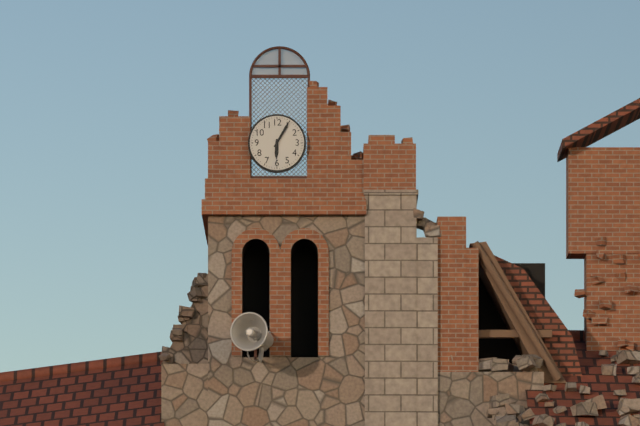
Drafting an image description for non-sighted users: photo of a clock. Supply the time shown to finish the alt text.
6:05
